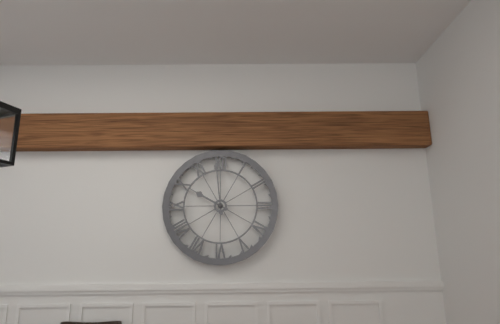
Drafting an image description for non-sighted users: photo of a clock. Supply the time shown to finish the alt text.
9:59
